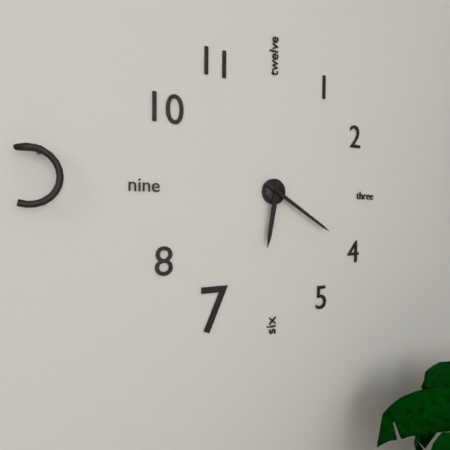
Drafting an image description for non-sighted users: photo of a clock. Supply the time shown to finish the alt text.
6:20
